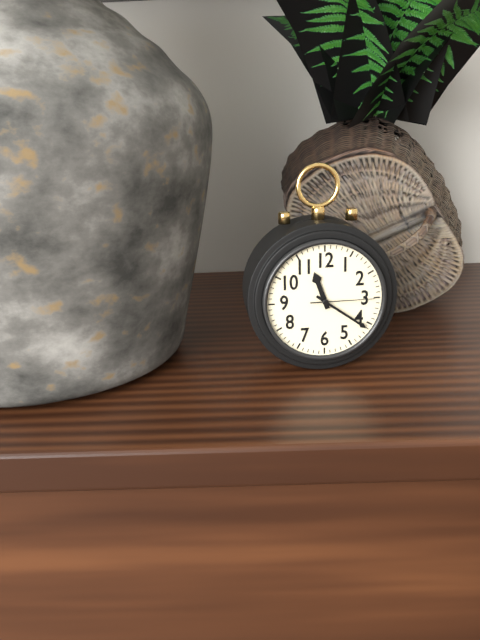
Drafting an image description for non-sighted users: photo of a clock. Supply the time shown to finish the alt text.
11:21:15
